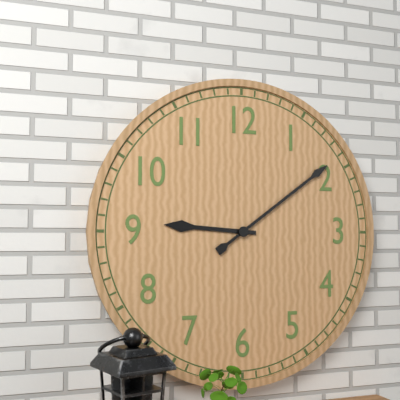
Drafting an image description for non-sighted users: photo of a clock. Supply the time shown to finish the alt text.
9:09
